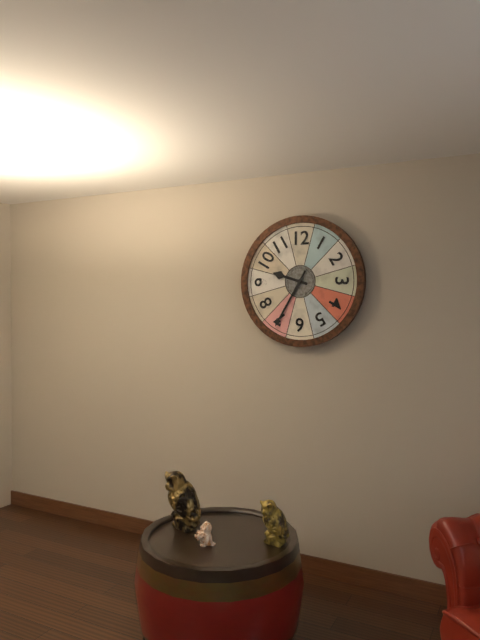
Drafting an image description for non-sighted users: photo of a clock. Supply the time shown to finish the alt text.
9:35
